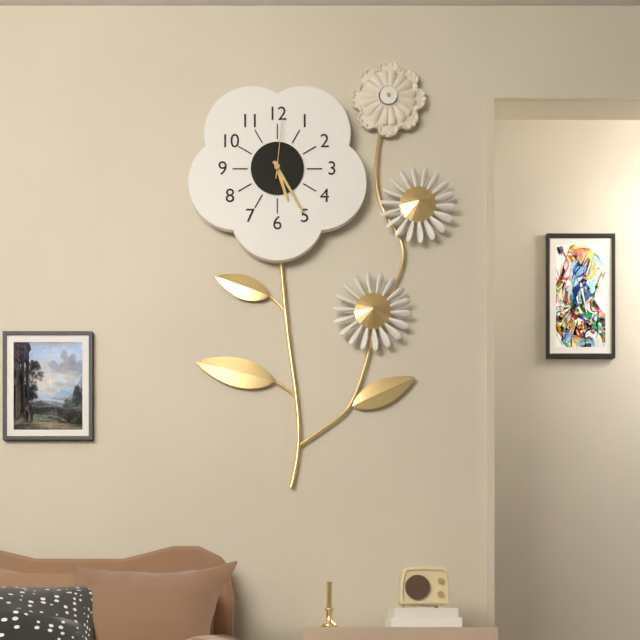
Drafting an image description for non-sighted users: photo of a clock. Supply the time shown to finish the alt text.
5:25:01
